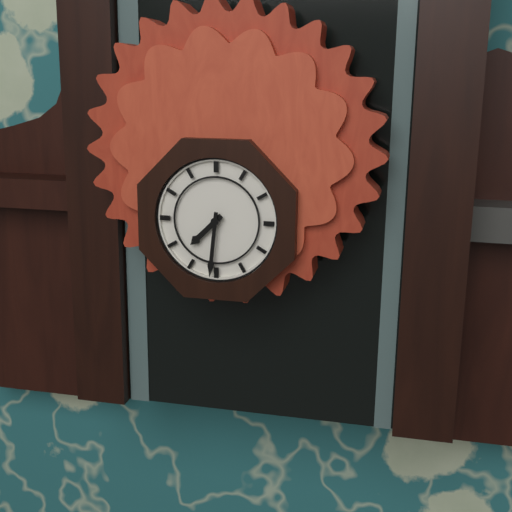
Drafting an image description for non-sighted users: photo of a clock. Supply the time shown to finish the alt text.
7:31
